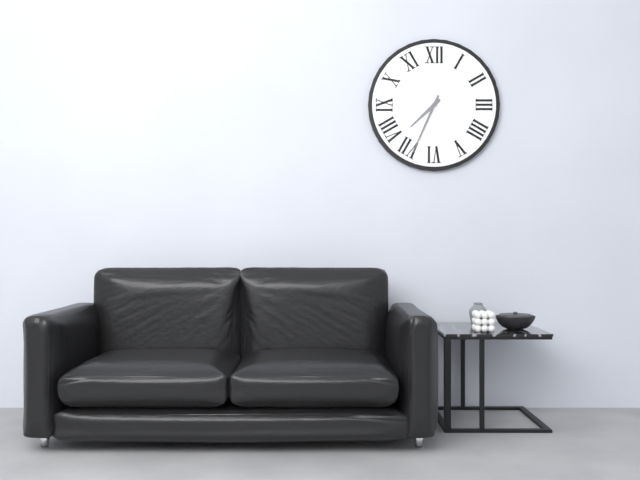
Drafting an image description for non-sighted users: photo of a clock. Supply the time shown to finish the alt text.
7:34
